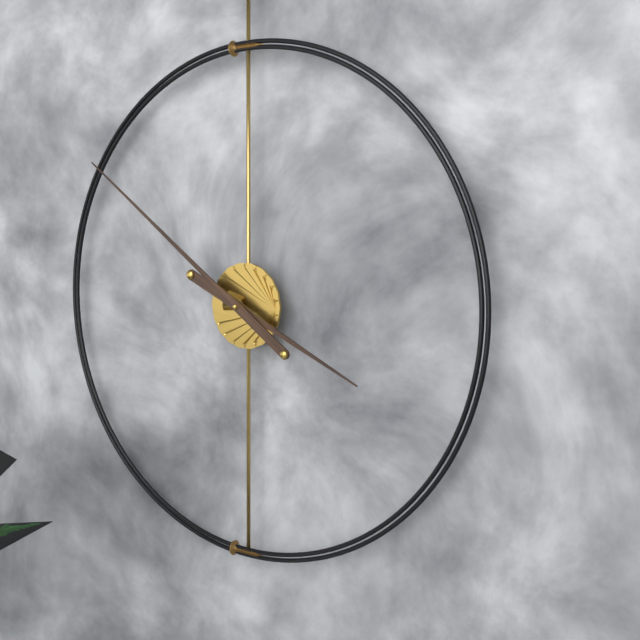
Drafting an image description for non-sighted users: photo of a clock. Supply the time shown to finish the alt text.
3:51
